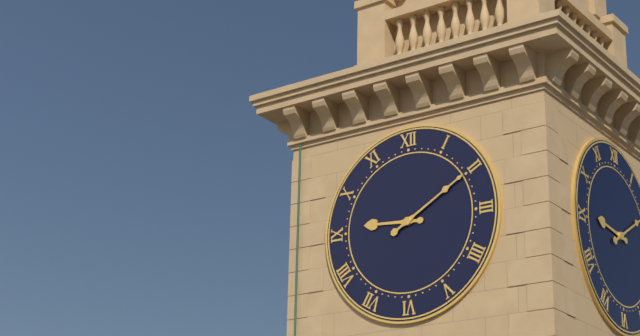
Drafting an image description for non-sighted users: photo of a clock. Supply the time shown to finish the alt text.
9:10
